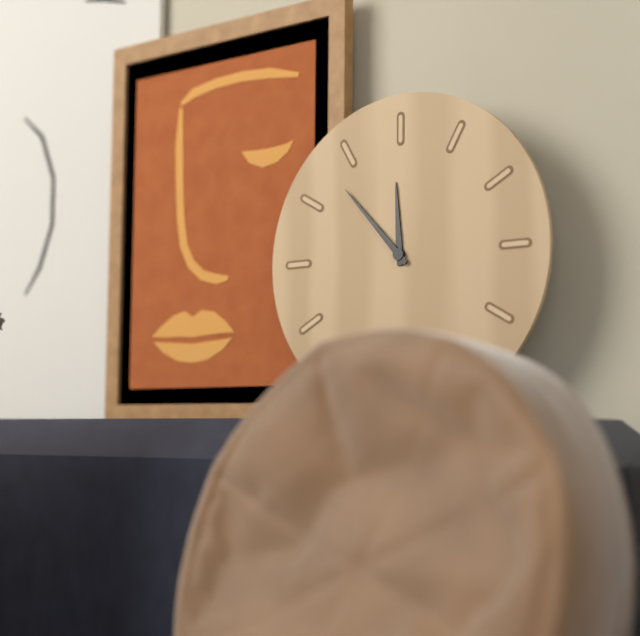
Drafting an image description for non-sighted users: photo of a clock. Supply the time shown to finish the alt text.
11:53
